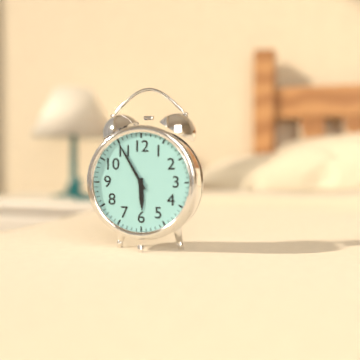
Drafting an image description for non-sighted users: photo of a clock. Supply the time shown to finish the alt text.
5:55
